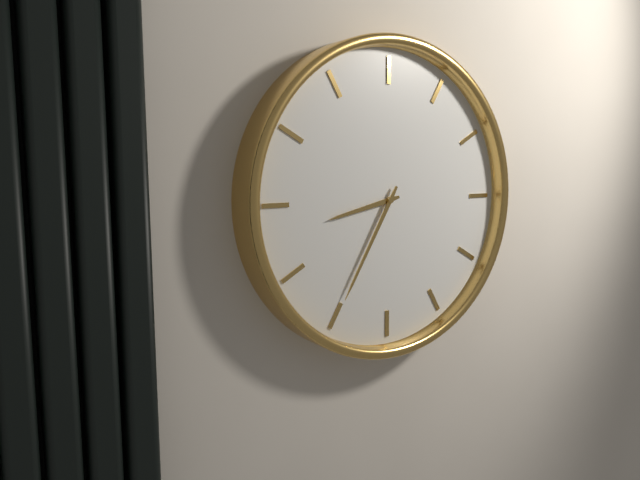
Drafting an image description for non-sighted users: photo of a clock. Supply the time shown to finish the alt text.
8:35
